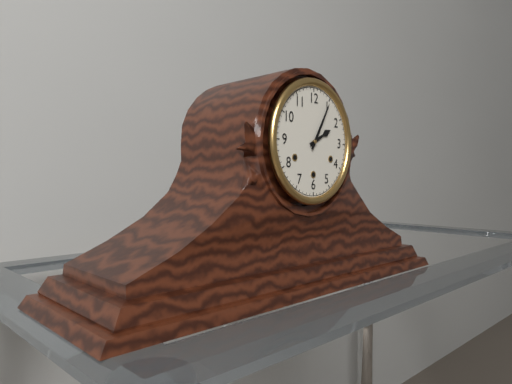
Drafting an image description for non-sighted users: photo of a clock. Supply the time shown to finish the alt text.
2:05
